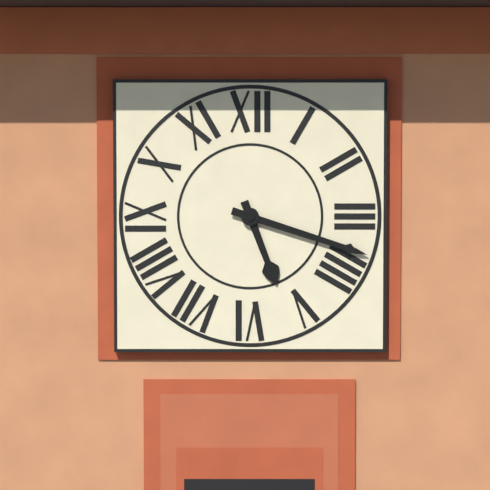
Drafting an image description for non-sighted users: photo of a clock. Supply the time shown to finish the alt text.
5:18
